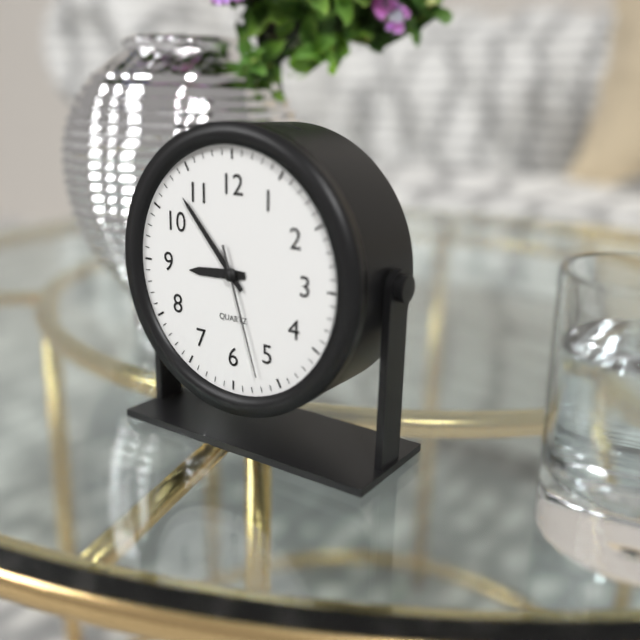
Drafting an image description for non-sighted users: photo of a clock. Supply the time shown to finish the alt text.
8:53:27
